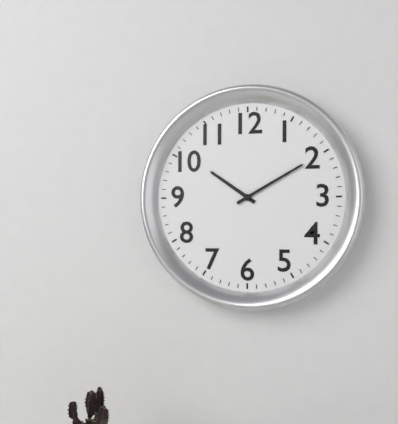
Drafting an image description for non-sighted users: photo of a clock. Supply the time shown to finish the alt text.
10:10
